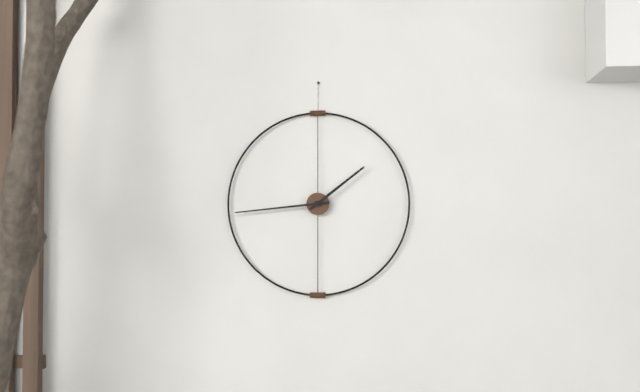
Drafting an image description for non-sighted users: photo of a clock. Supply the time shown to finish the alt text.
1:44
